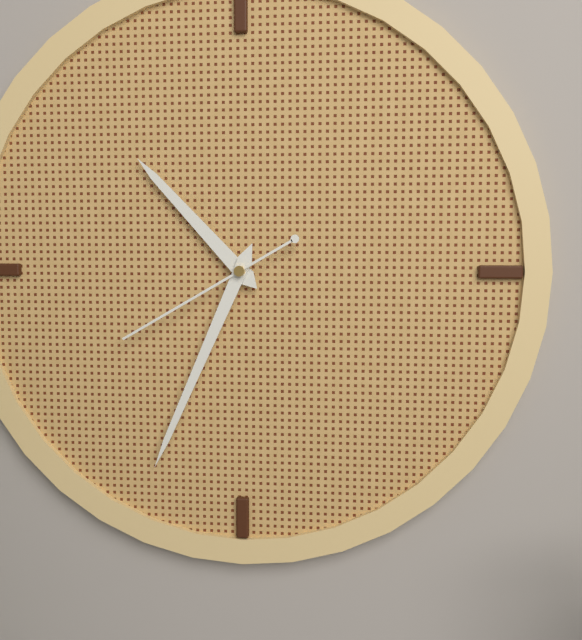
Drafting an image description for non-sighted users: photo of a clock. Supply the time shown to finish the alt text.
10:34:40
